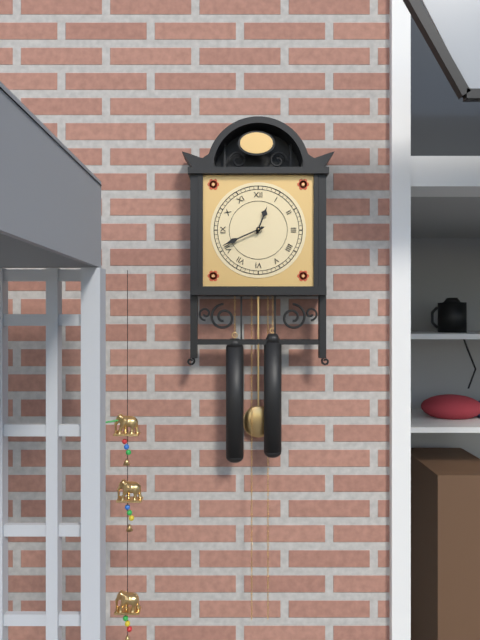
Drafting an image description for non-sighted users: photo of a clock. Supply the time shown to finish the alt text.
12:41
